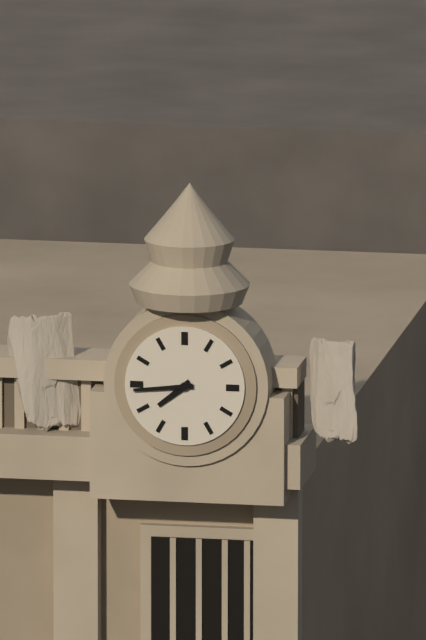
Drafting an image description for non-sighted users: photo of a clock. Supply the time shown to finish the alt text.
7:44
